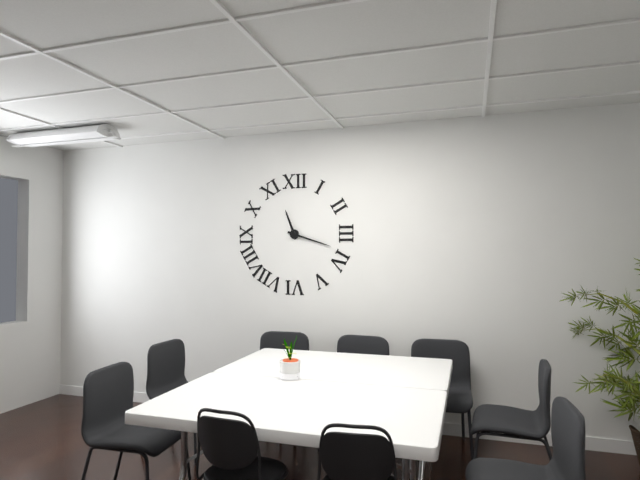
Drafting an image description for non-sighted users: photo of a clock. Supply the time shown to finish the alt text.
11:18
